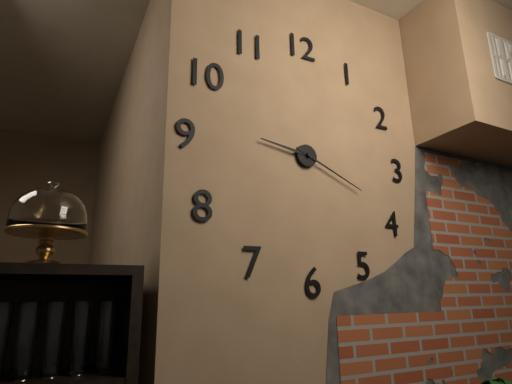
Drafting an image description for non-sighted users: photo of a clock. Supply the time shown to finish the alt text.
9:19
